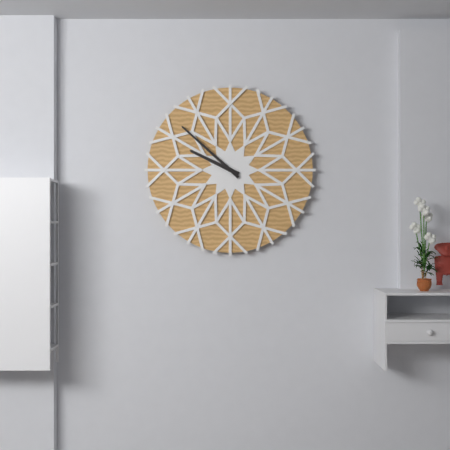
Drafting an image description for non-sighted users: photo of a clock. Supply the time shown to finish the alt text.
9:52
